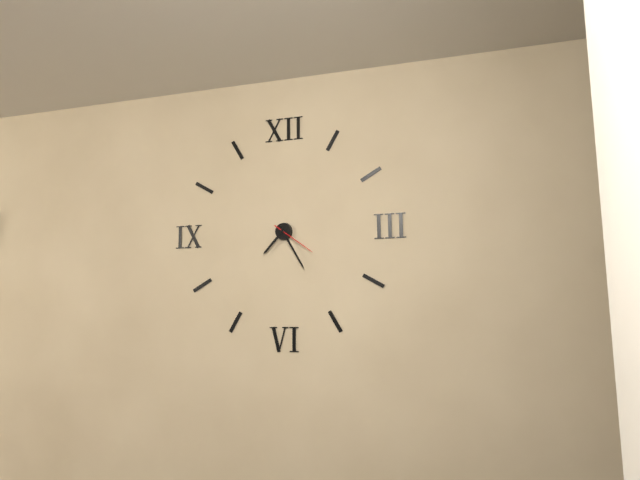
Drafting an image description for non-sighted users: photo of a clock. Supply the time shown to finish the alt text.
7:25
